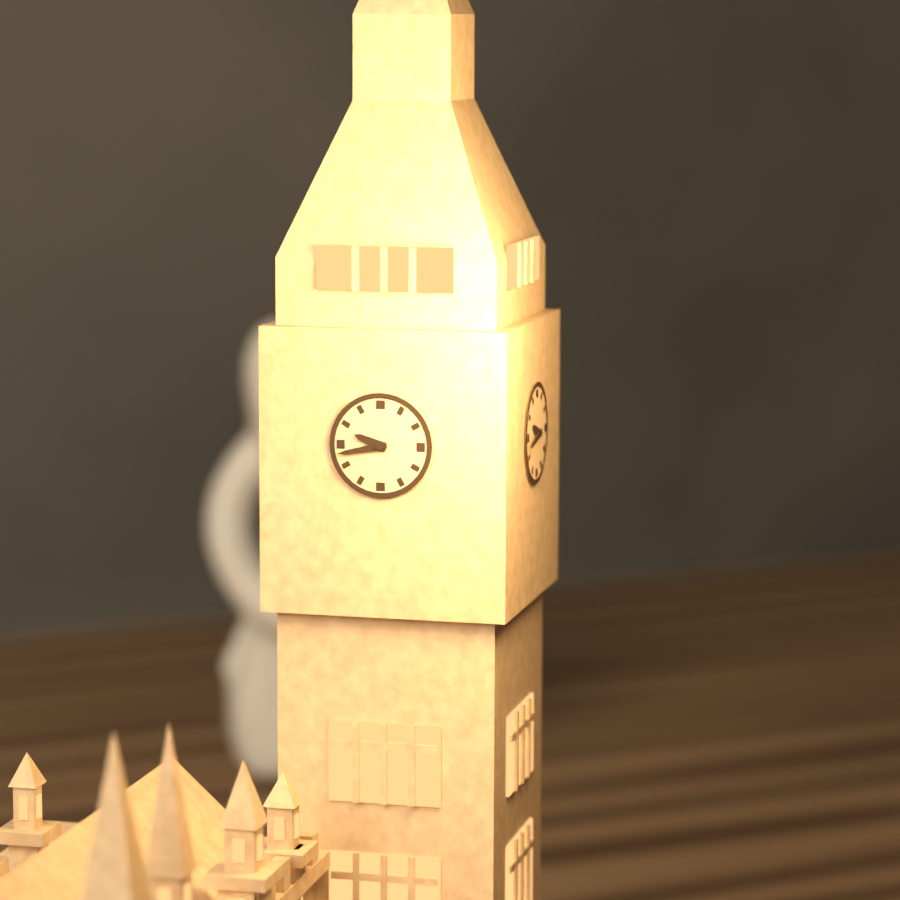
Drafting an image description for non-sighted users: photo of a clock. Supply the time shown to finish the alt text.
9:43
